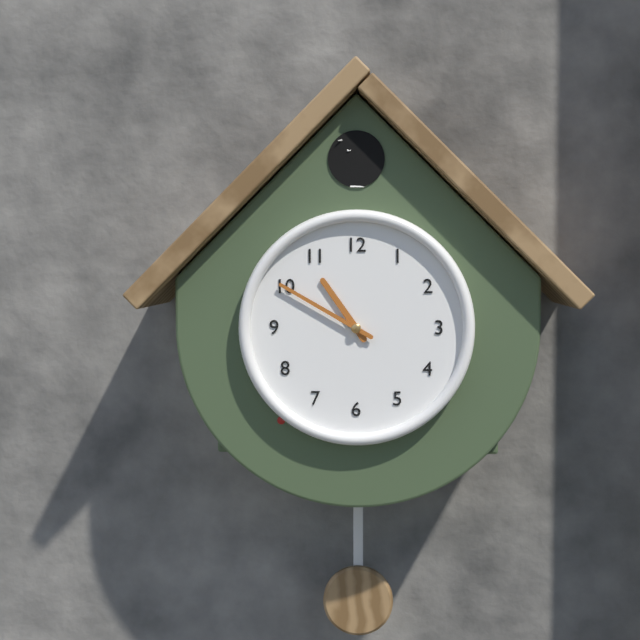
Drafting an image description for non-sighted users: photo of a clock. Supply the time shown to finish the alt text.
10:50
